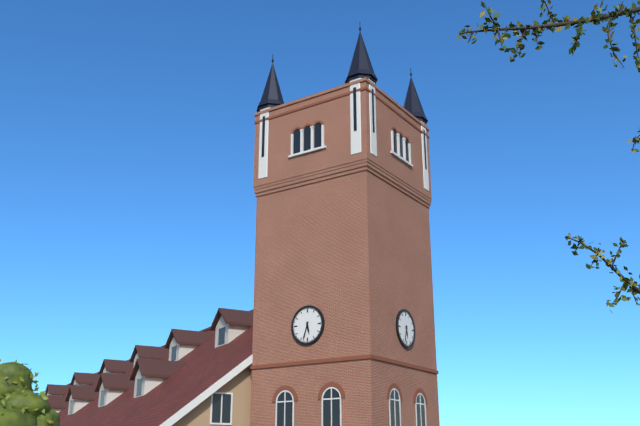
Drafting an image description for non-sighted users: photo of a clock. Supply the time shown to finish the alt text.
5:33
